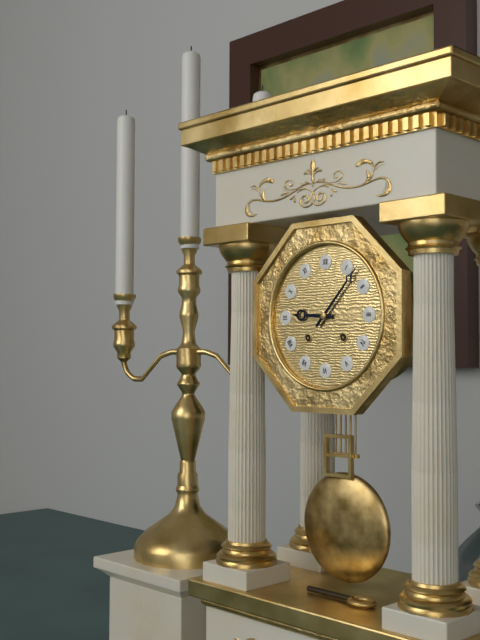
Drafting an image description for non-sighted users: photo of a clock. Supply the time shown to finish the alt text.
9:07
